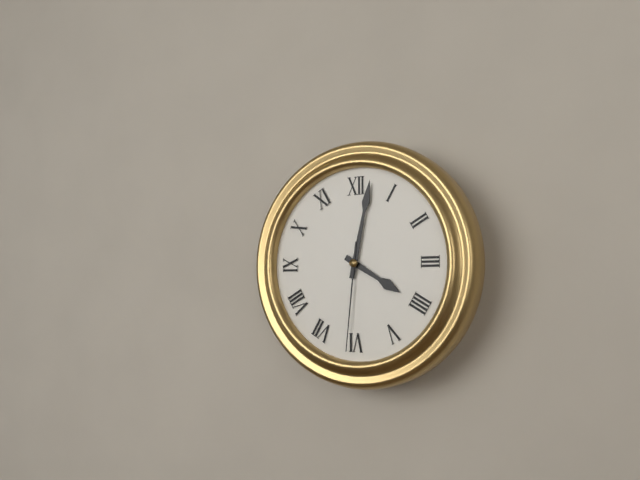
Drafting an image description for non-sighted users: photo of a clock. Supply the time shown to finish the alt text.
4:02:31
